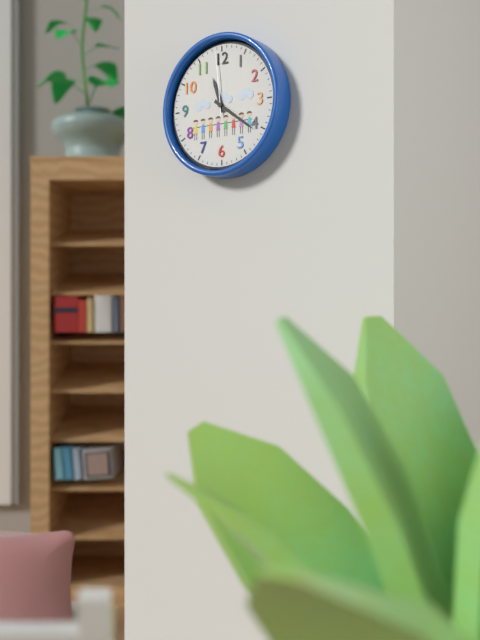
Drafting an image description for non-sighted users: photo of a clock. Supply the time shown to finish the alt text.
11:21:59
